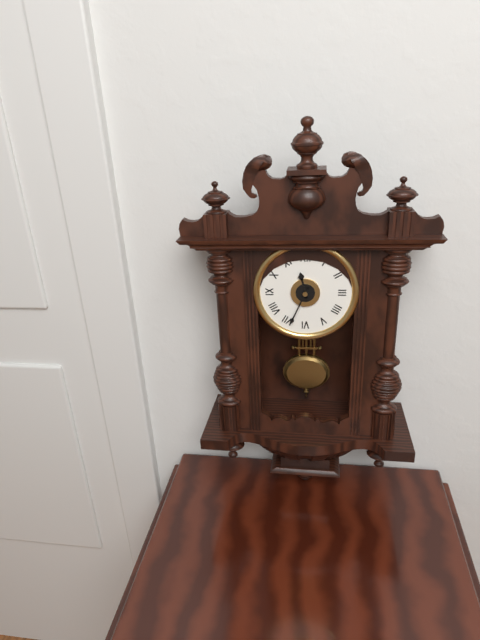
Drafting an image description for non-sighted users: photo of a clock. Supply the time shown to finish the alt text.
11:34
